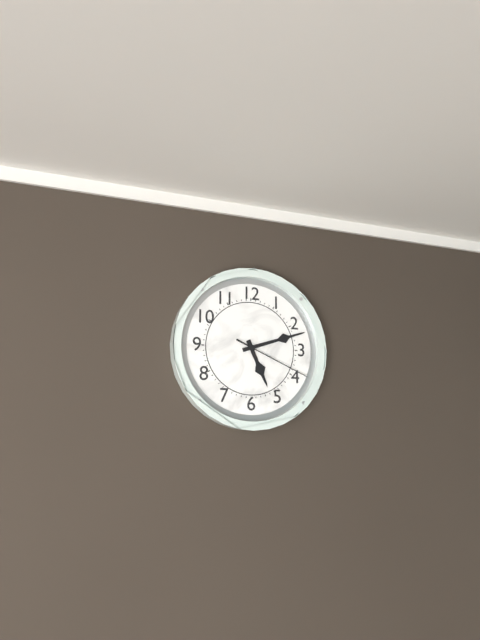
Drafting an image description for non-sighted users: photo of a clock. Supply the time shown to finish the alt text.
5:12:19
